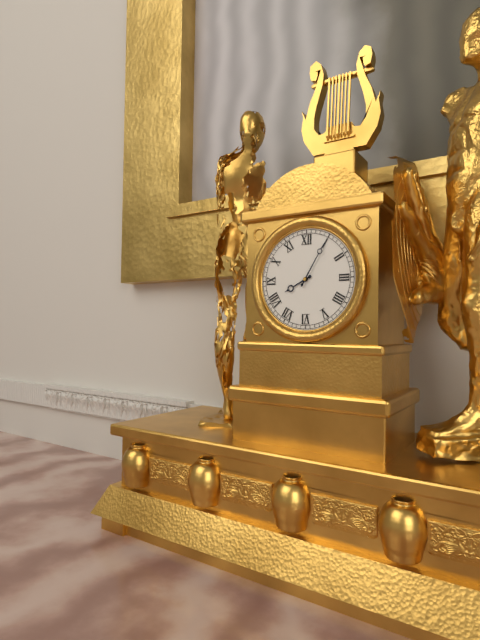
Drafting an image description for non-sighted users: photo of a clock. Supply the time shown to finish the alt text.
8:05
